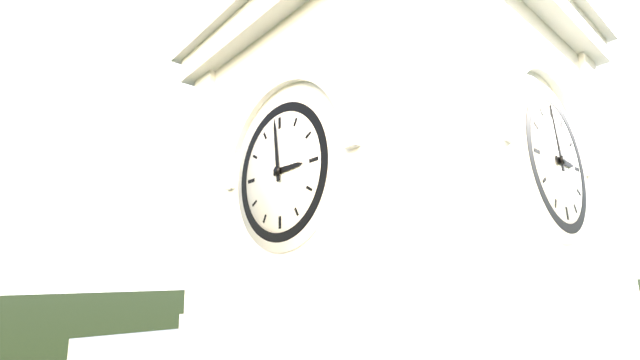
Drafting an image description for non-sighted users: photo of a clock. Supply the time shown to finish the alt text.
2:59
